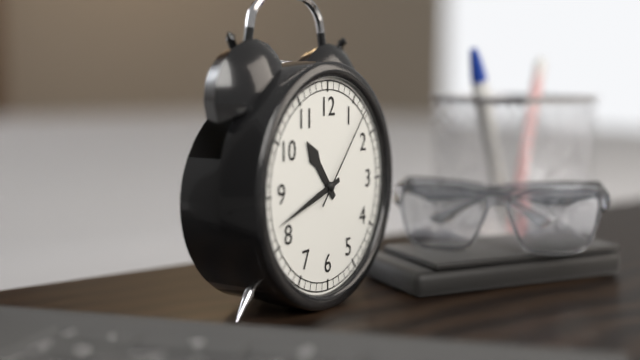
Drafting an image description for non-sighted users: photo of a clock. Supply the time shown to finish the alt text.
10:42:07
